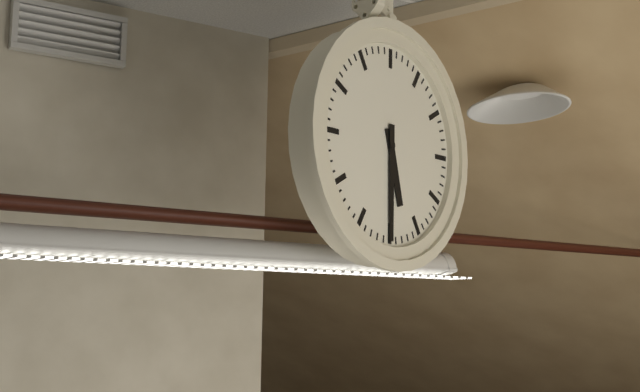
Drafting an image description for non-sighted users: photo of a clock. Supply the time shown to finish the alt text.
5:30
